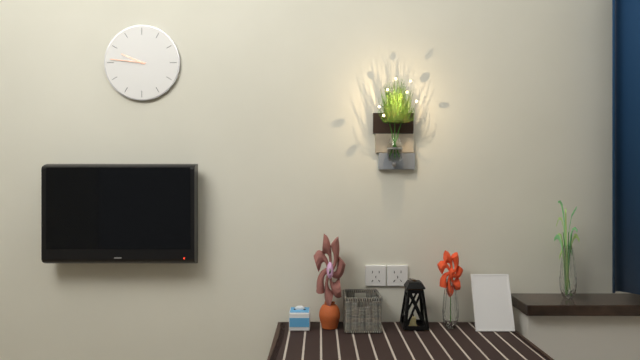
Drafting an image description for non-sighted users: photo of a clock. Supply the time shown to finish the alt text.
9:46
